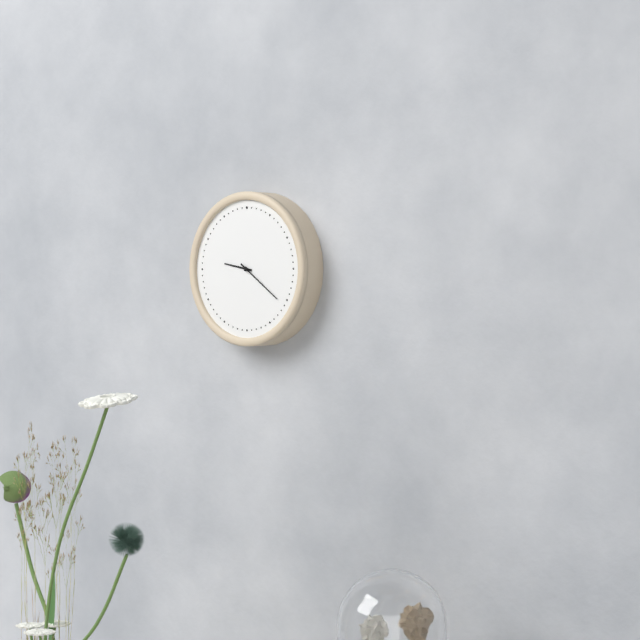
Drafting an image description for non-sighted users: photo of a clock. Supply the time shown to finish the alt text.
9:21
